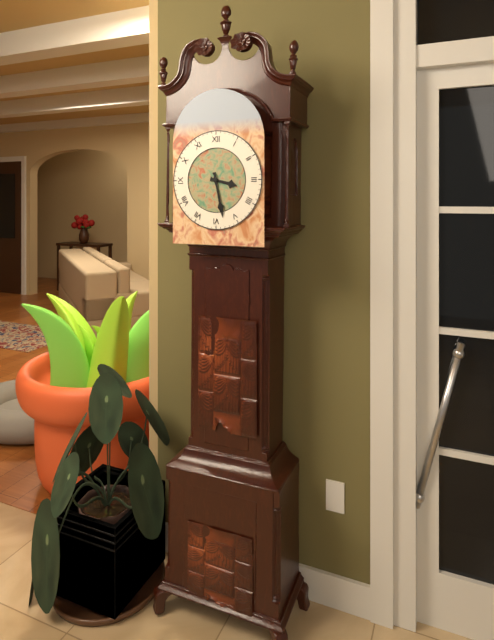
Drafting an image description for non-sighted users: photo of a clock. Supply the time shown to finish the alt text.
3:28
